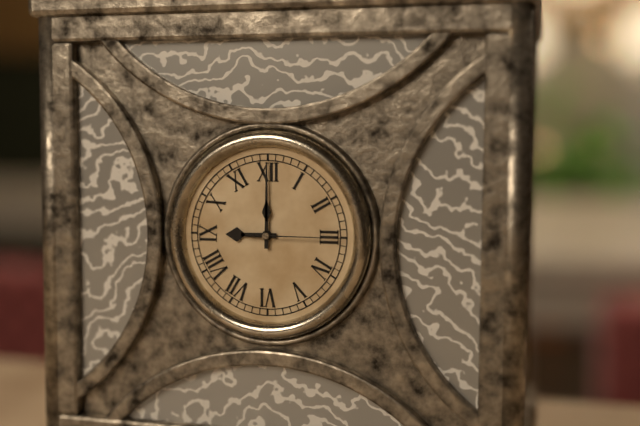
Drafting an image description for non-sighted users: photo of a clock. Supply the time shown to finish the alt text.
9:00:15
